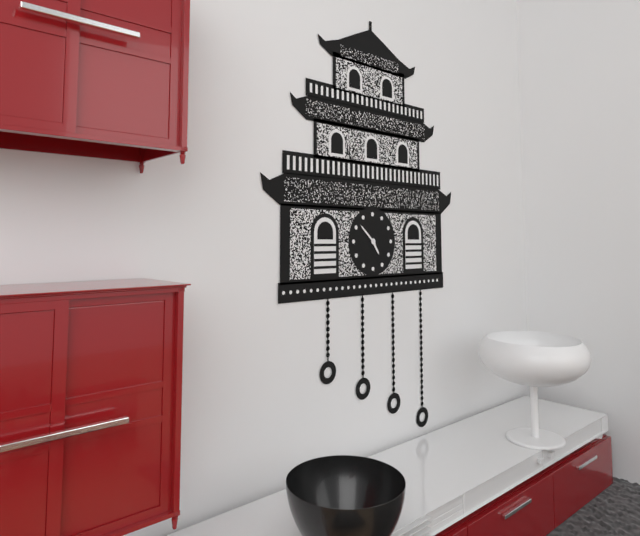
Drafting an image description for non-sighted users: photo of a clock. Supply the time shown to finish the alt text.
4:52
